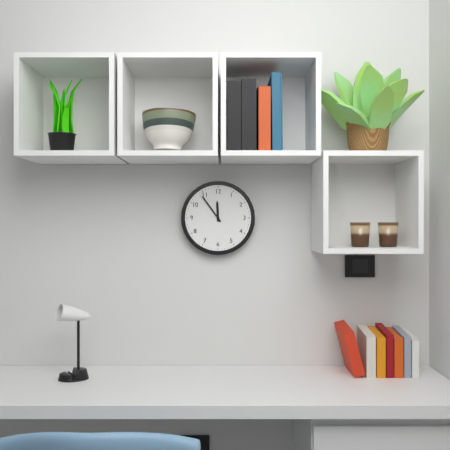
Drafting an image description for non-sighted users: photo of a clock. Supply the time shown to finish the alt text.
11:54
